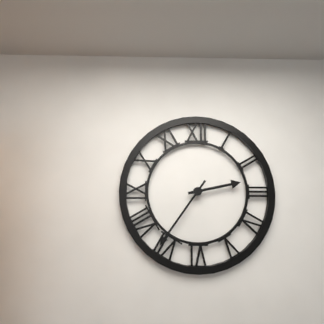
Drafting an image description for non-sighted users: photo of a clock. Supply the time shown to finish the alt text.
2:36
